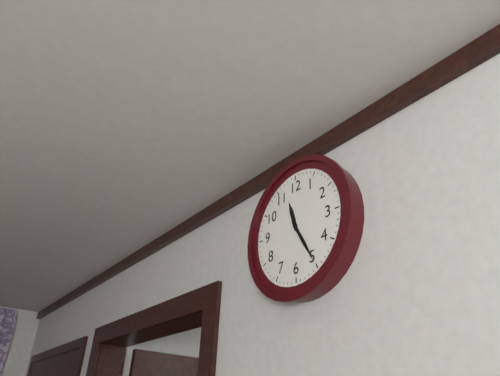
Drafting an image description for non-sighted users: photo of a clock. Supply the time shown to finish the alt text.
11:25
